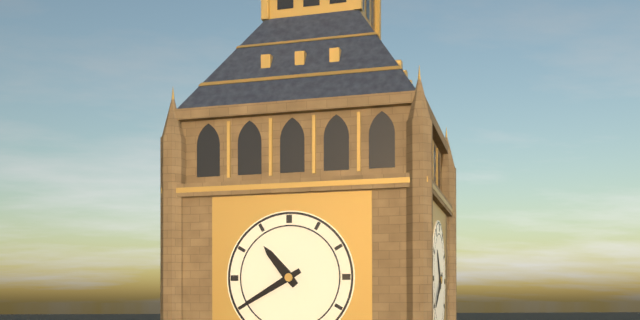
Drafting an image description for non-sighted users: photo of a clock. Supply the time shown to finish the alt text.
10:40
